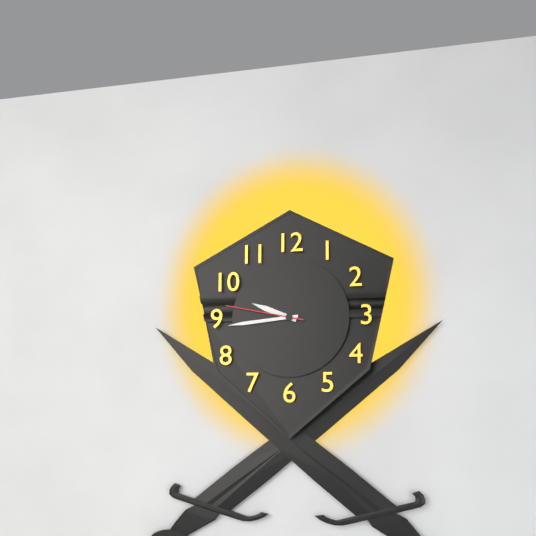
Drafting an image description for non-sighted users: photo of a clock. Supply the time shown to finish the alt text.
9:44:47
